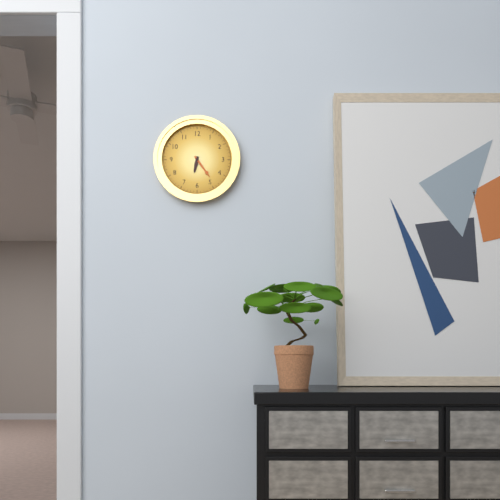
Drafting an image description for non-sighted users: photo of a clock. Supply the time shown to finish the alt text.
6:24
